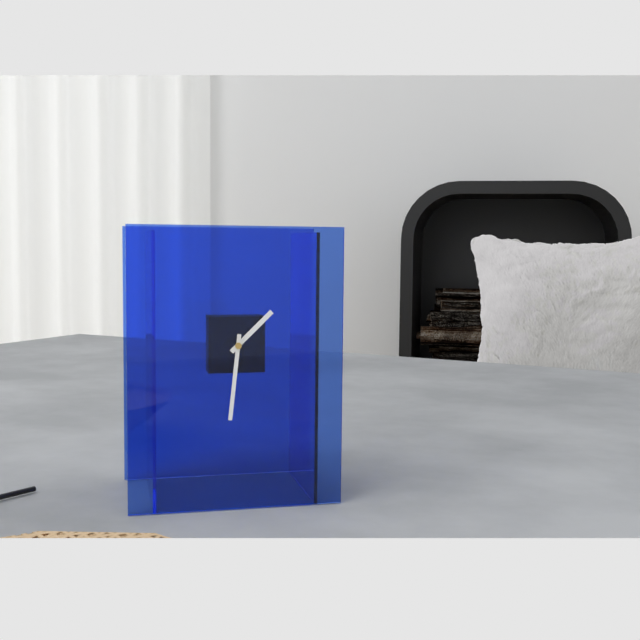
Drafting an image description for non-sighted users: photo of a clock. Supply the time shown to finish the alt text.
1:31
